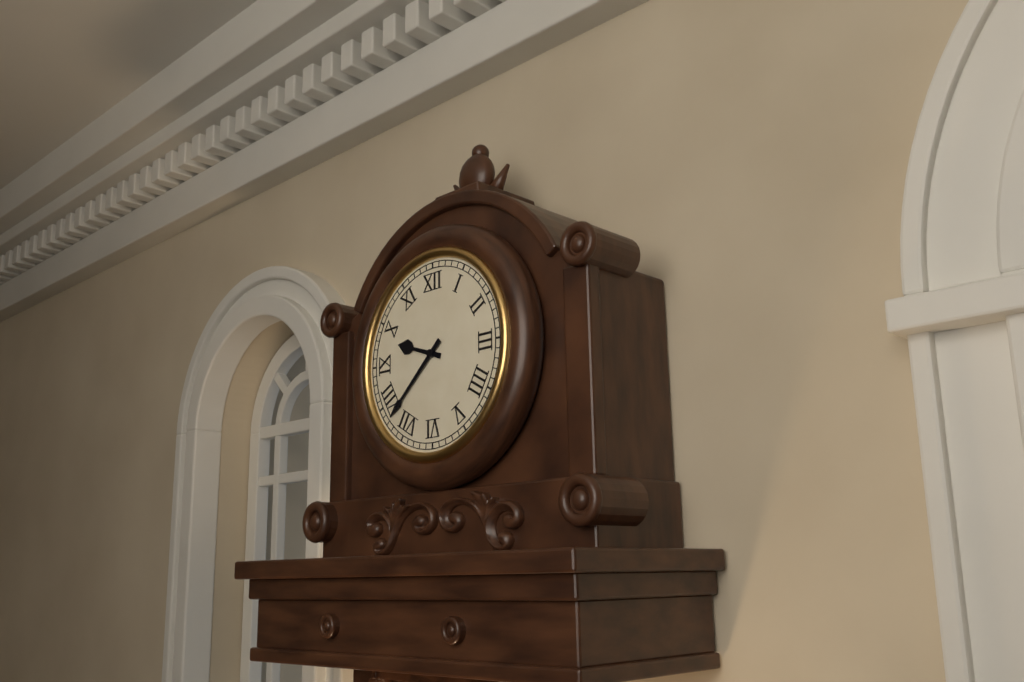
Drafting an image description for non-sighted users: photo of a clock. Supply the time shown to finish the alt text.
9:38
